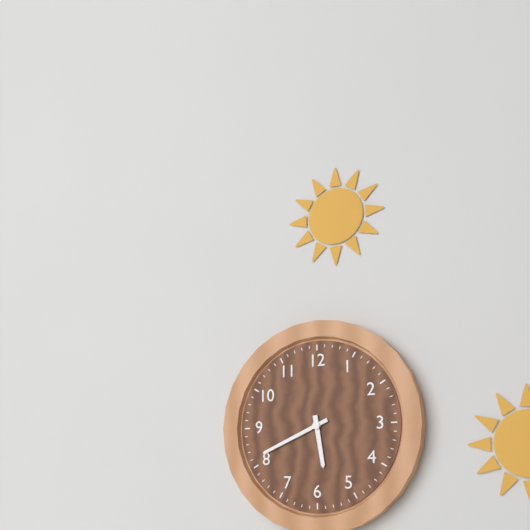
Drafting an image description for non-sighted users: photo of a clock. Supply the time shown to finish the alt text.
5:41
